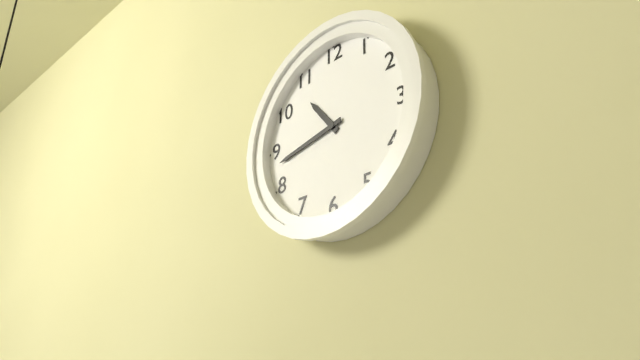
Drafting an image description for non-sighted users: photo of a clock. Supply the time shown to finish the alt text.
10:43
